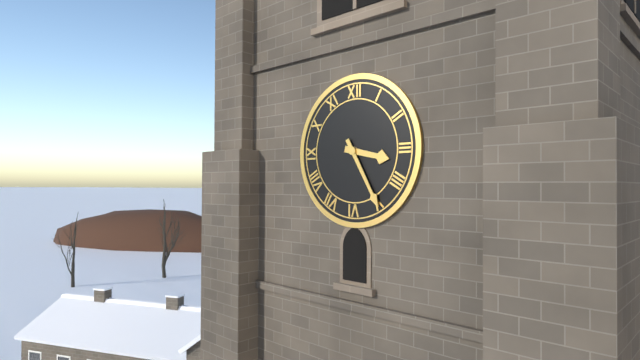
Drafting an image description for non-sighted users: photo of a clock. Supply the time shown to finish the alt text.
3:25
